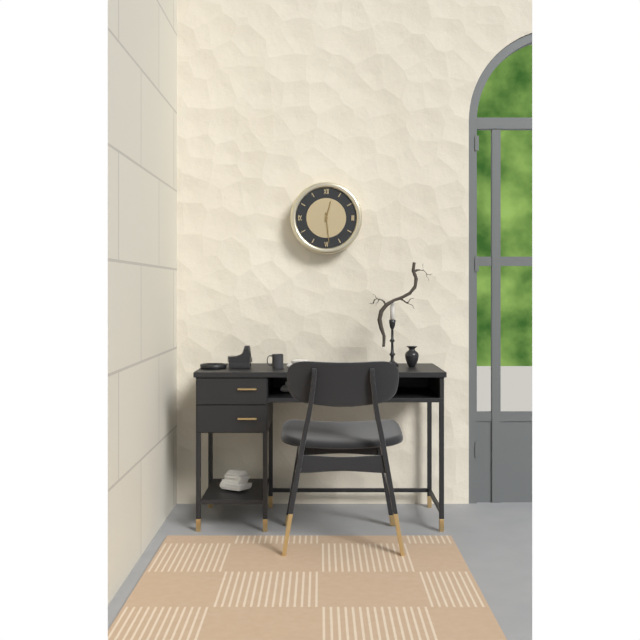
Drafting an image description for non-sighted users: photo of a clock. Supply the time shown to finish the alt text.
12:29
